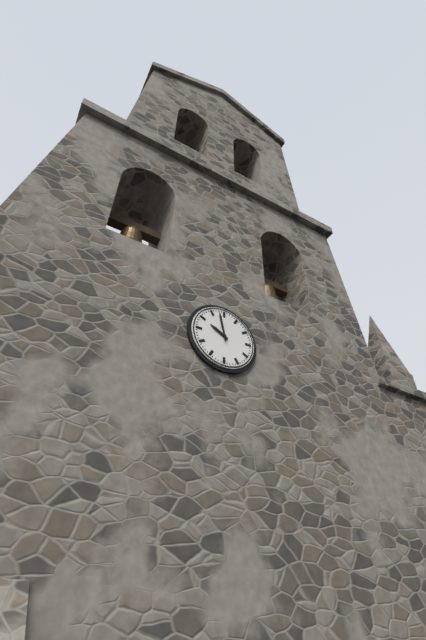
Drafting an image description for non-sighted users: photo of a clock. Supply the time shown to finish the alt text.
9:58
